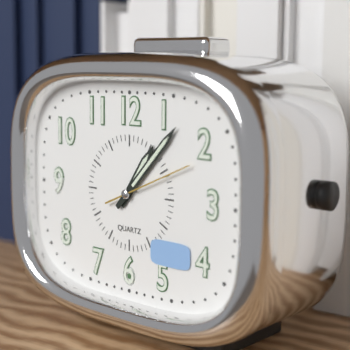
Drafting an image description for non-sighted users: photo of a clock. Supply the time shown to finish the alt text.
1:07:11
